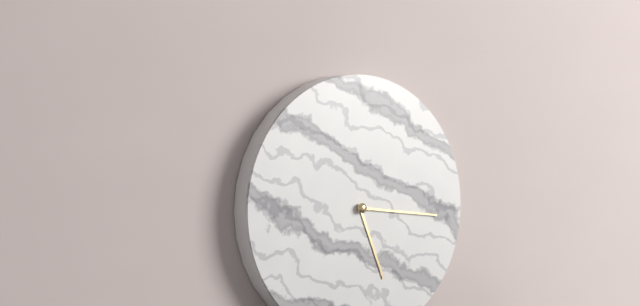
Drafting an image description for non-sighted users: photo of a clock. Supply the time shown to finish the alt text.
5:16
